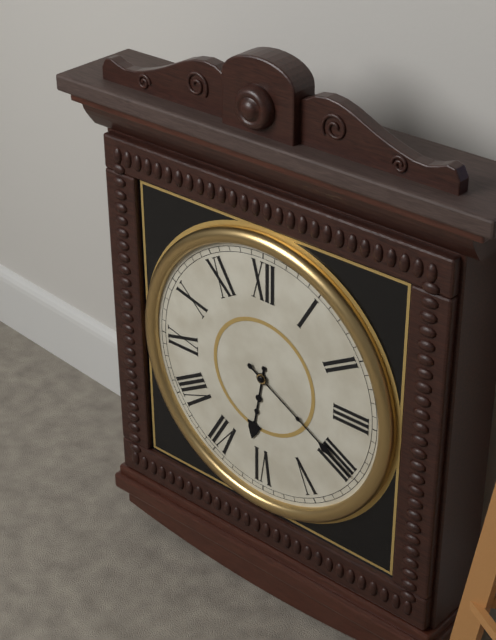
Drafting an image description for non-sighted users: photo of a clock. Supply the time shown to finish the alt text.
6:20
